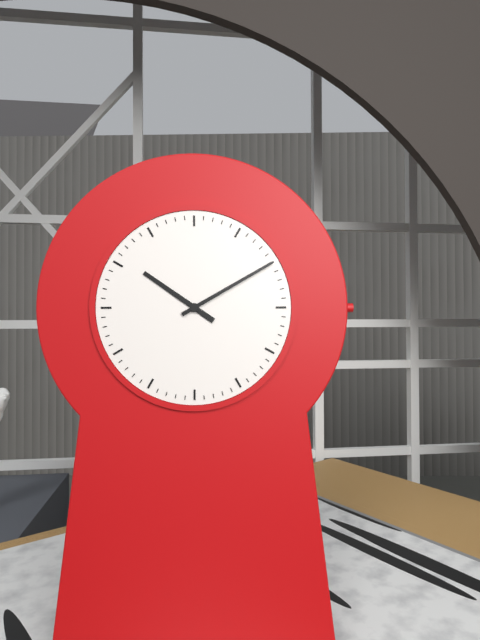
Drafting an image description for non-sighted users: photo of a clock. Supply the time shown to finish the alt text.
10:10
